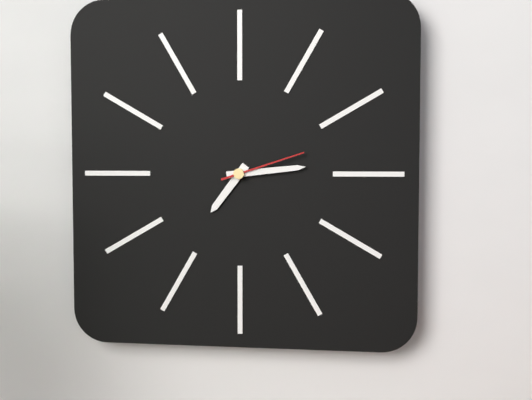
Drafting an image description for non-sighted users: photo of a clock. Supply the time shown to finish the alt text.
7:14:12
